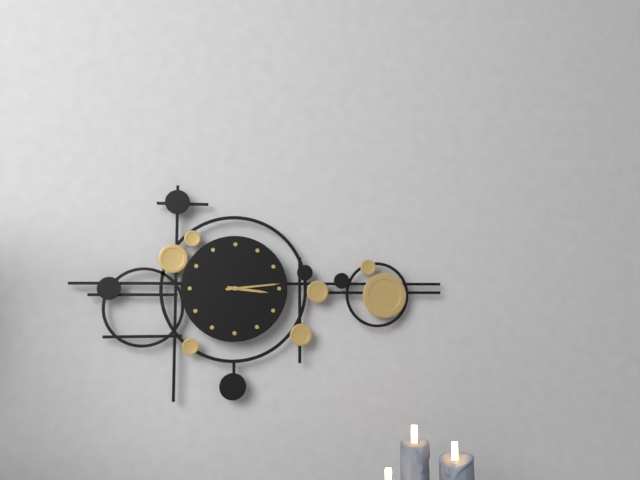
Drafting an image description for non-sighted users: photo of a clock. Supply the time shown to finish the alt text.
3:14
